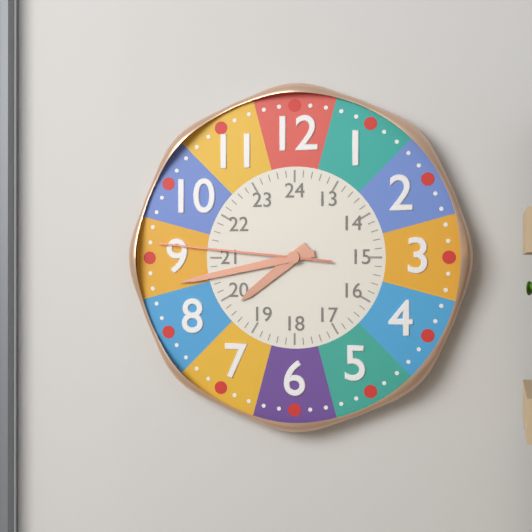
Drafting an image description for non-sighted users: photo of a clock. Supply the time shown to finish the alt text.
7:43:46
